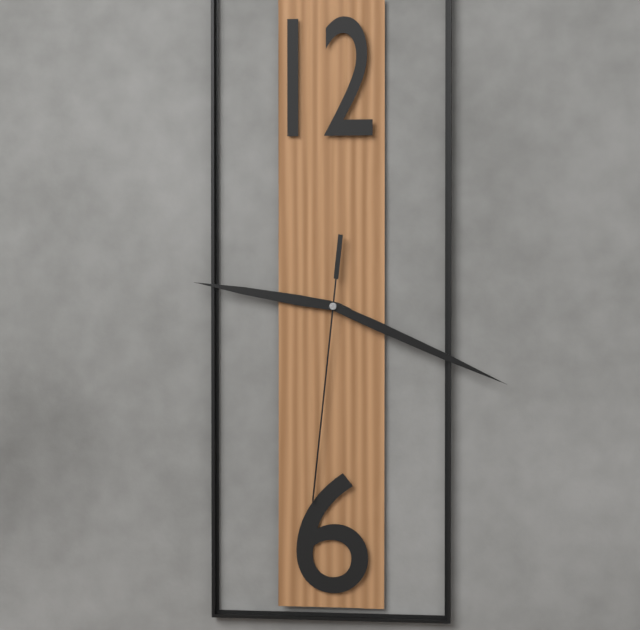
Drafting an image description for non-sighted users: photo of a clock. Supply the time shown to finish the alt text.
9:19:31
